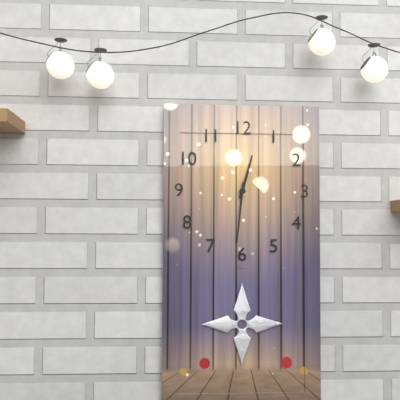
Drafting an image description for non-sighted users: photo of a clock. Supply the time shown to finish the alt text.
12:31
